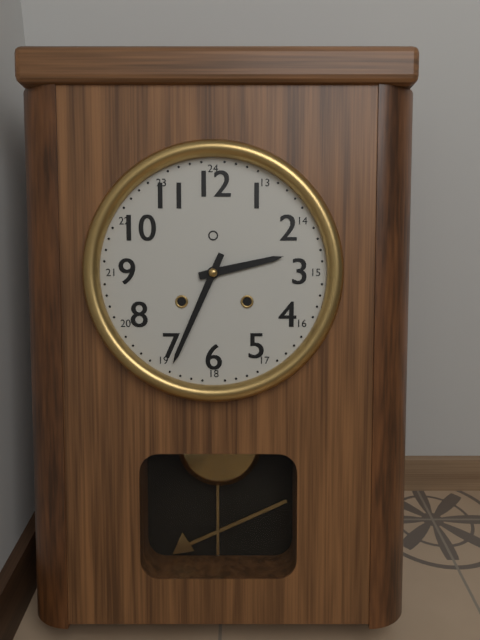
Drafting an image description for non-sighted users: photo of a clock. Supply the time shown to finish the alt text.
2:34
